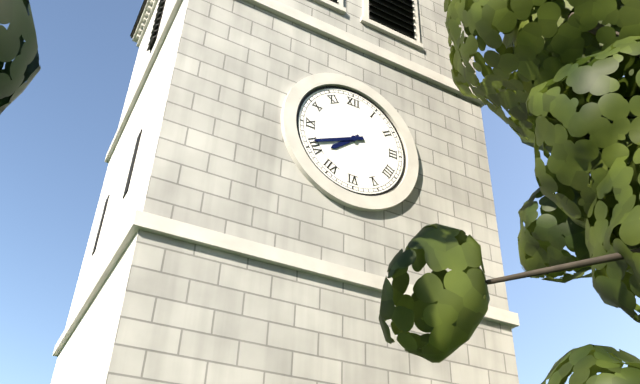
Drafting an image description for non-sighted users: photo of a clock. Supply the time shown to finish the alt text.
7:41
